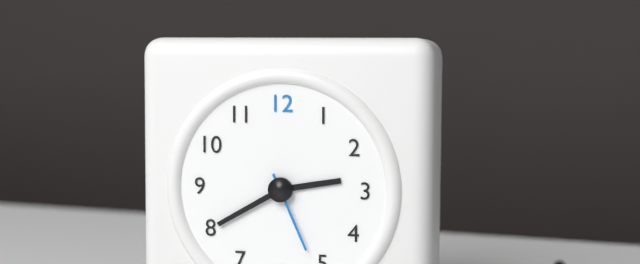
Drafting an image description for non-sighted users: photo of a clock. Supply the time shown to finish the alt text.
2:40:26
